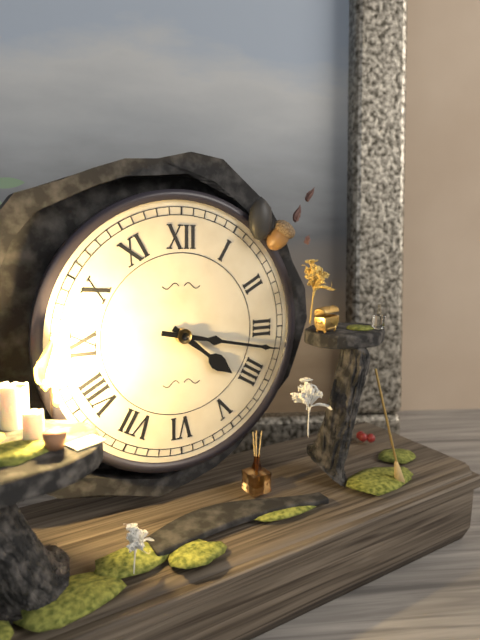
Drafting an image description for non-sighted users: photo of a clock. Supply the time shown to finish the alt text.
4:17
